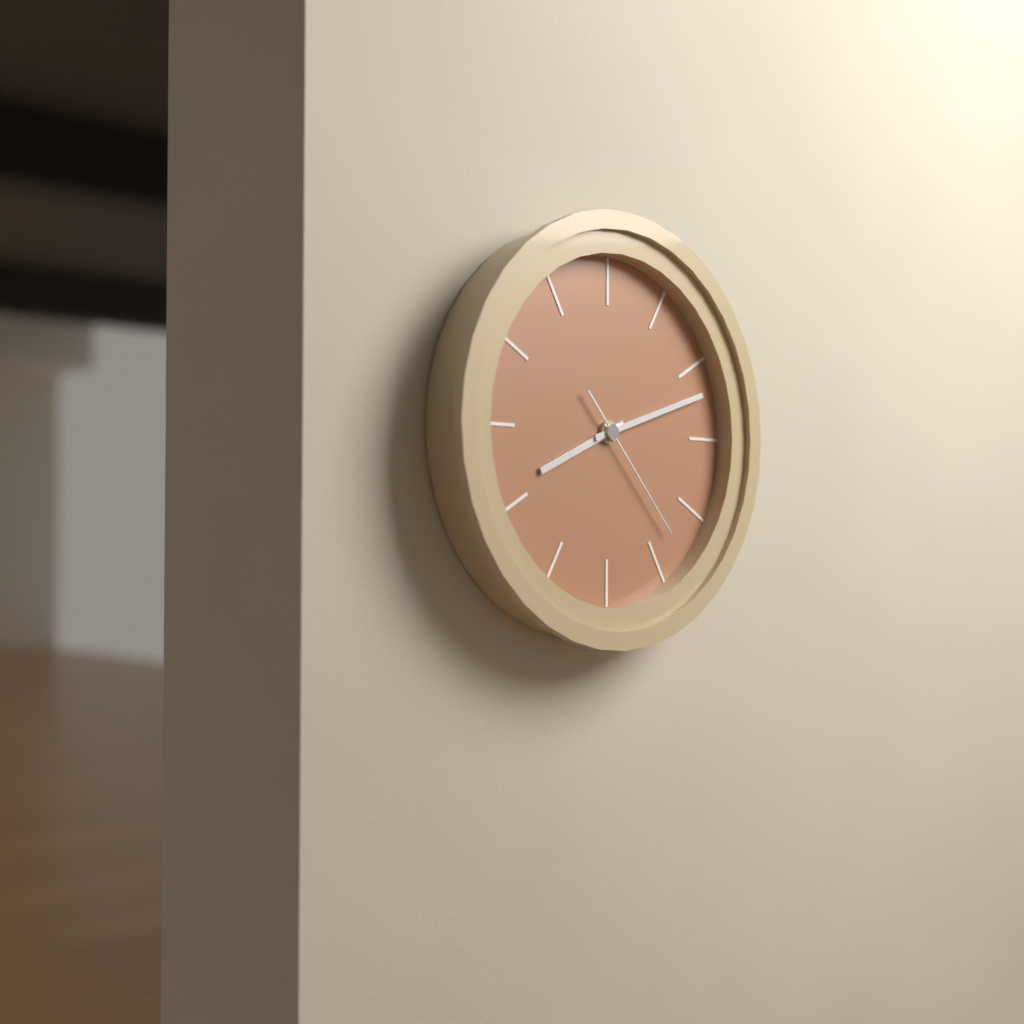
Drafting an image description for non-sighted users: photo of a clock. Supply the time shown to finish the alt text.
8:12:23
